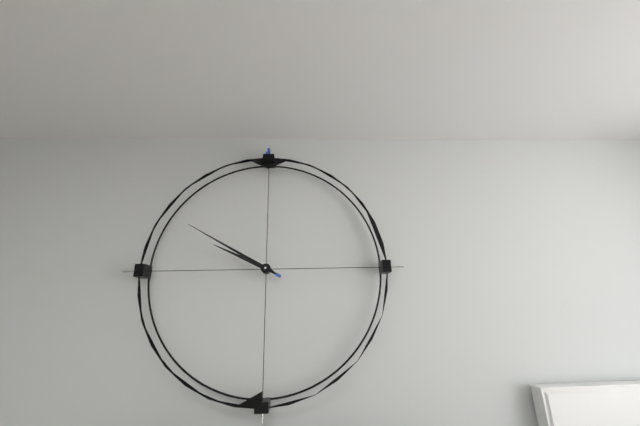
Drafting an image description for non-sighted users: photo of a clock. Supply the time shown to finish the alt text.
9:50
